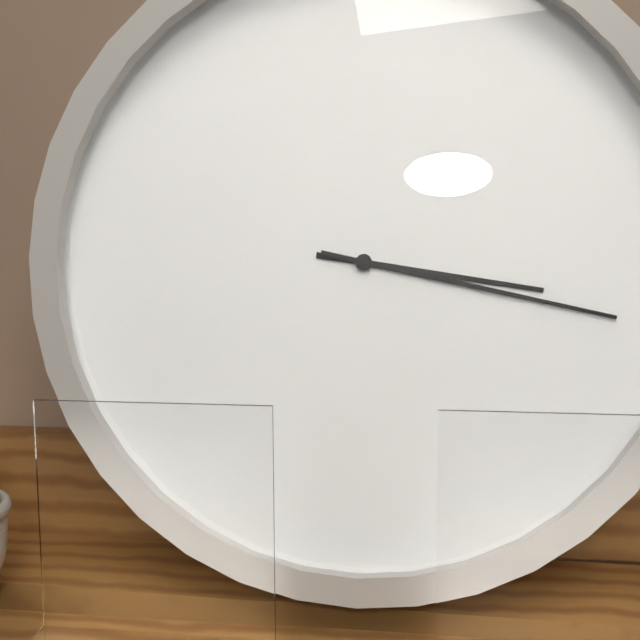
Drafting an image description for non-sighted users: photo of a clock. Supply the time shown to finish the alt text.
3:17
